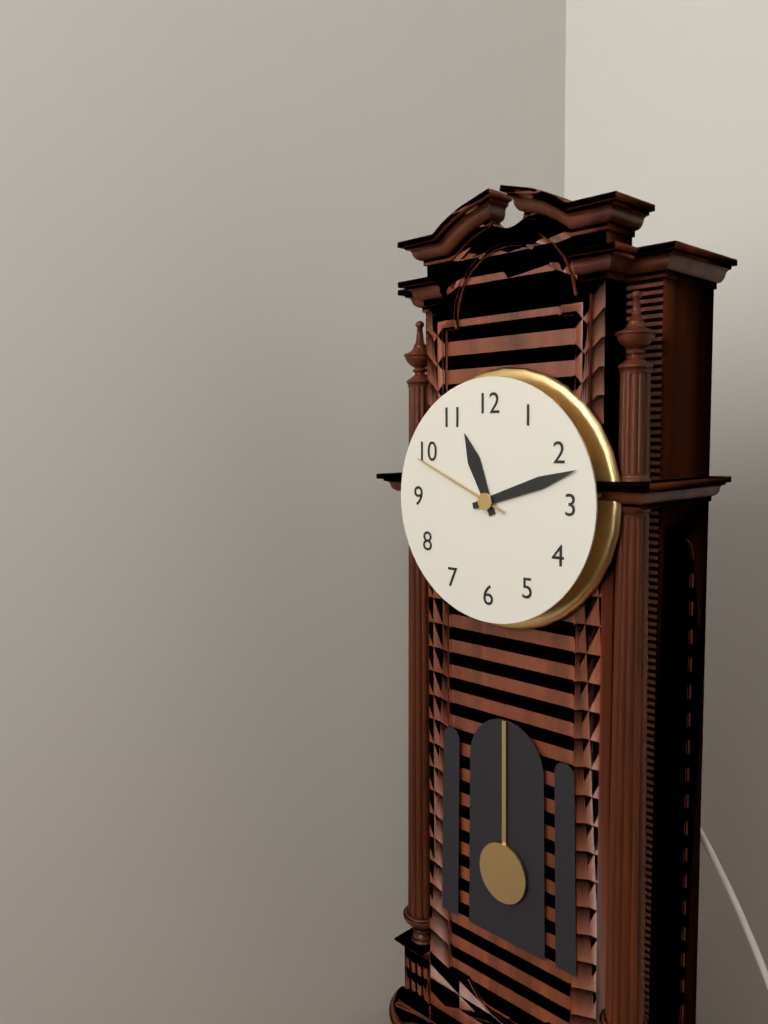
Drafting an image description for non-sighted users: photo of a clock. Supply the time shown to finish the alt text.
11:12:49
